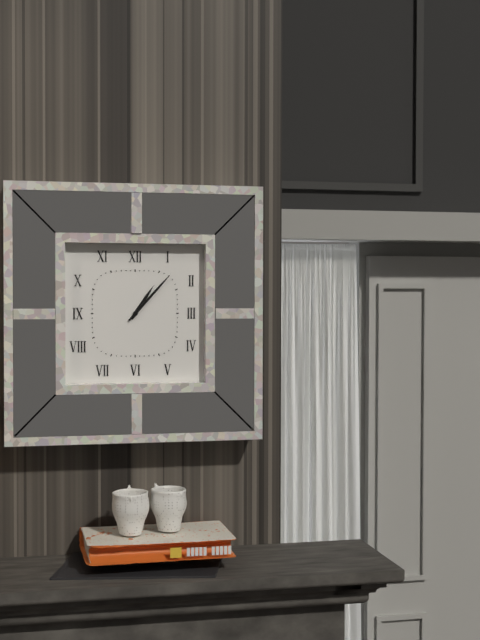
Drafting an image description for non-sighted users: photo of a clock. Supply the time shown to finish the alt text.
1:07
